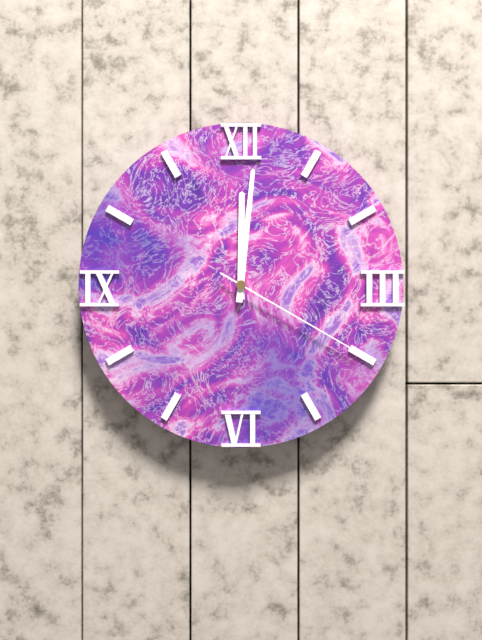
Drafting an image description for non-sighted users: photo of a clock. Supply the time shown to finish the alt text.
12:01:20
